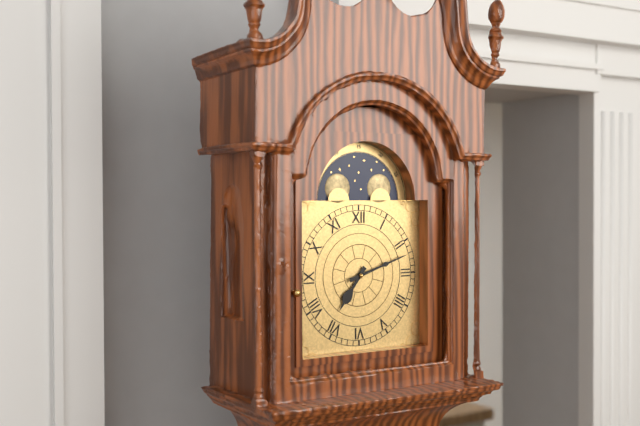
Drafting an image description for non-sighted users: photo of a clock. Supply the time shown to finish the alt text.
7:12
